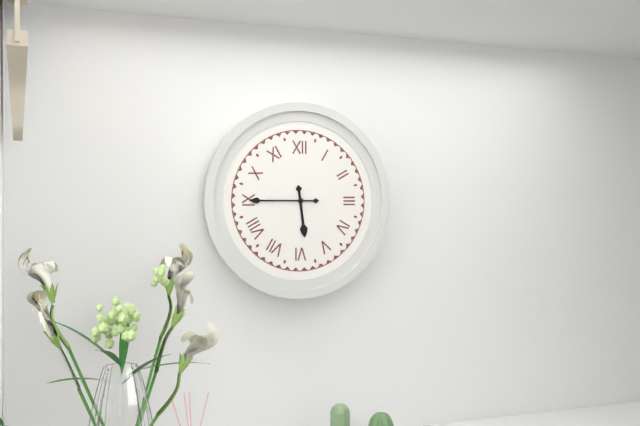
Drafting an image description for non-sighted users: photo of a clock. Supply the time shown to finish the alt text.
5:45
